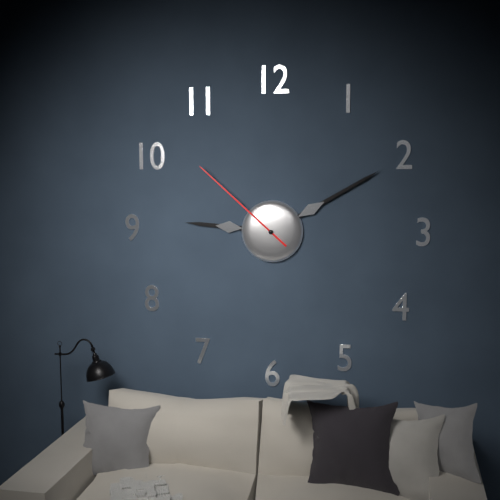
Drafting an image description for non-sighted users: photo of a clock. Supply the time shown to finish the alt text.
9:10:52
